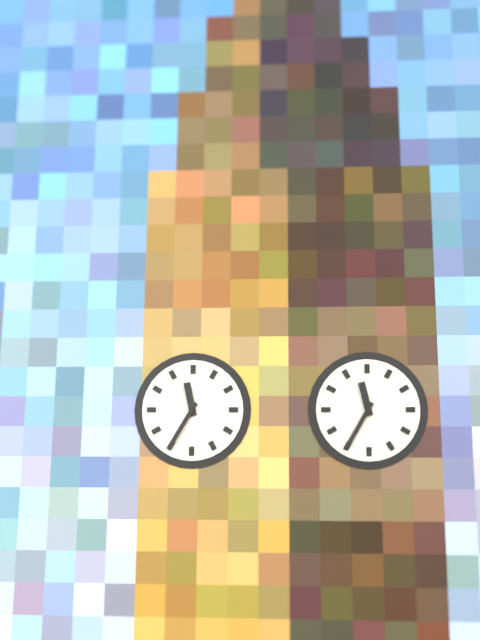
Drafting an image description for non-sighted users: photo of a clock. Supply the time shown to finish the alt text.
11:35
